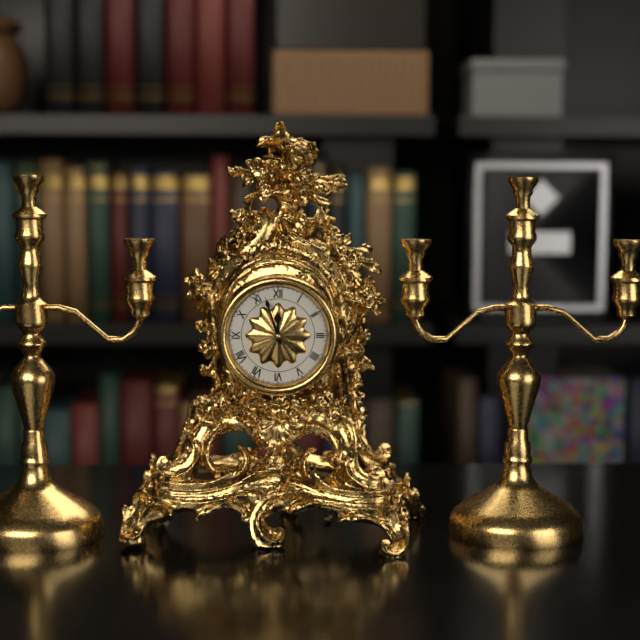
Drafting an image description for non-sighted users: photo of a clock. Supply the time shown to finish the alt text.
11:57
